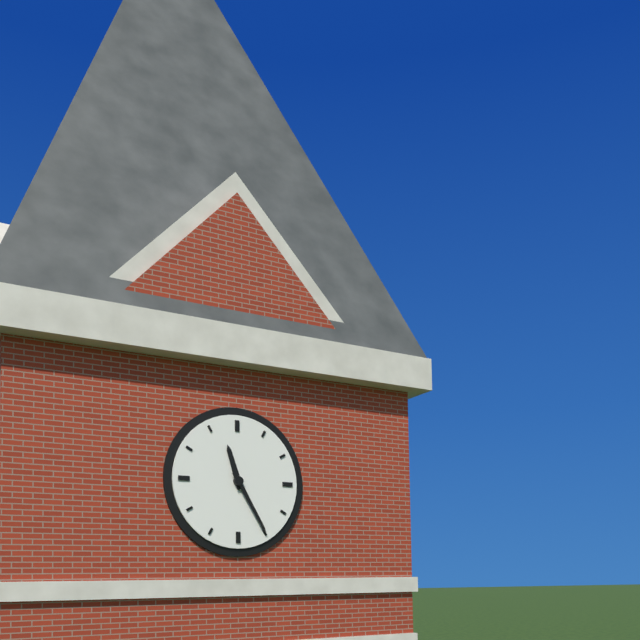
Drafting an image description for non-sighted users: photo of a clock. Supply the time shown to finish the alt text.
11:25
